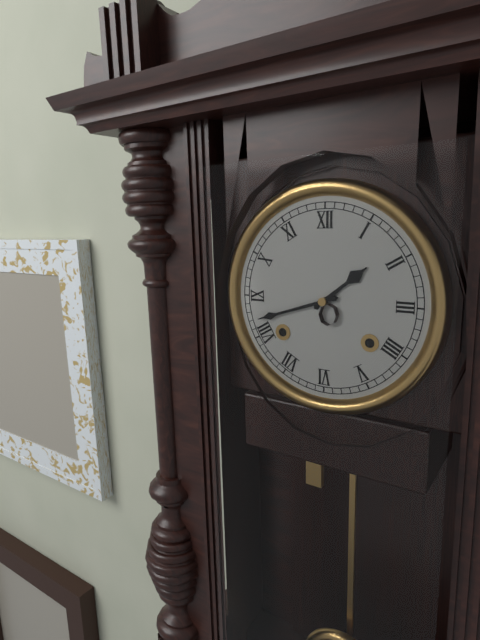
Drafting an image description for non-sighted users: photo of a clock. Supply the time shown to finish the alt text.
1:42
